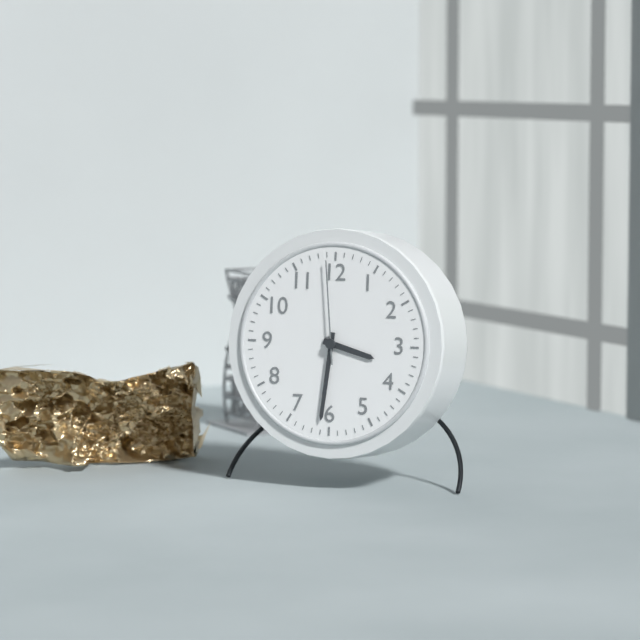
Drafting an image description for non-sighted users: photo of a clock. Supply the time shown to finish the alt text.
3:31:59
